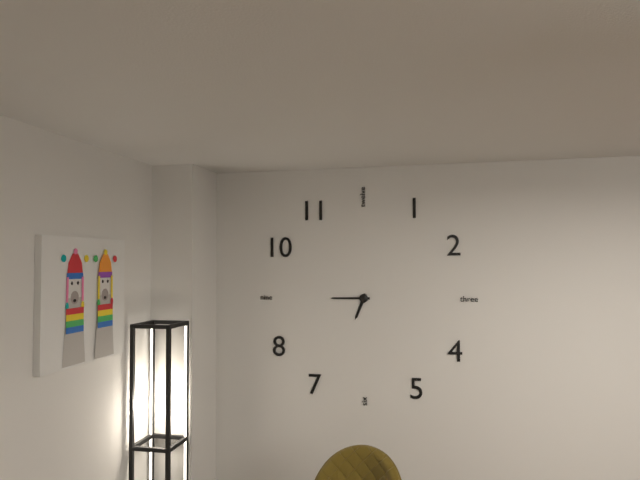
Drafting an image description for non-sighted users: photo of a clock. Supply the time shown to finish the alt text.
6:45
